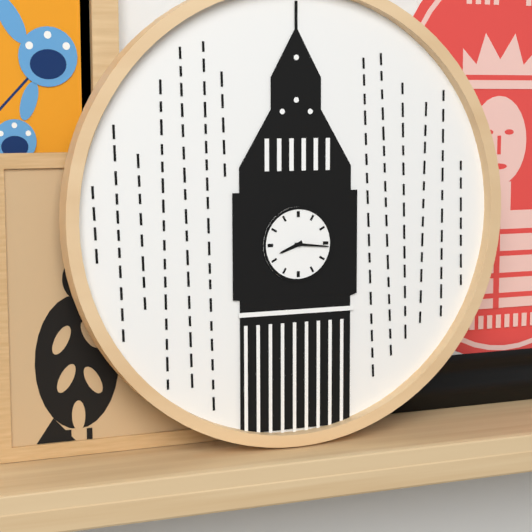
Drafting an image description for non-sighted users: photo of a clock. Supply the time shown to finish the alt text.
8:16
